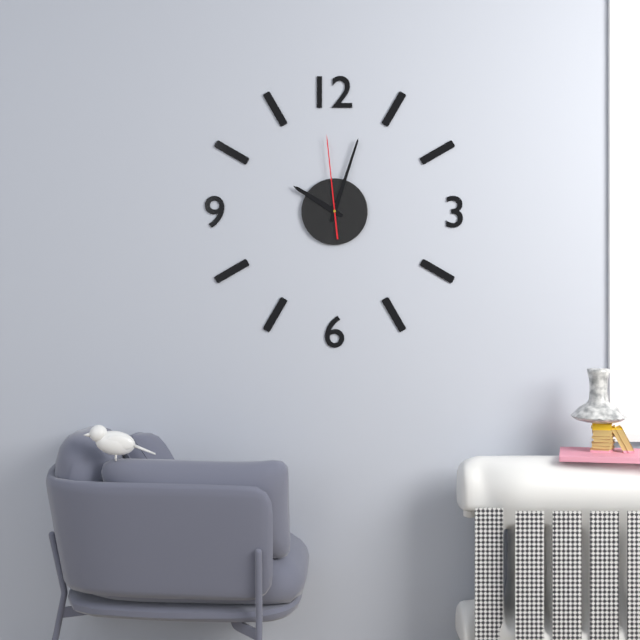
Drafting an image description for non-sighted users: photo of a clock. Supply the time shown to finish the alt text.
10:03:59
